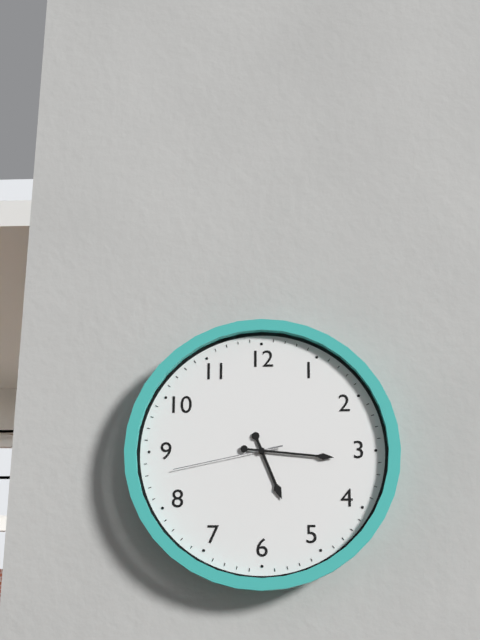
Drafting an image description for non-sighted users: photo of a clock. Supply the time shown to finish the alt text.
5:16:43
